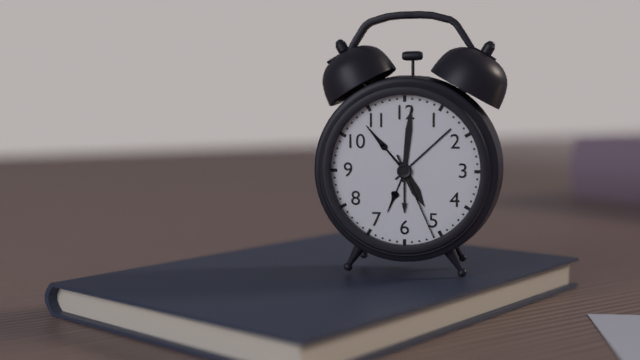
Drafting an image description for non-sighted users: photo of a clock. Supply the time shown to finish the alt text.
5:01:26
